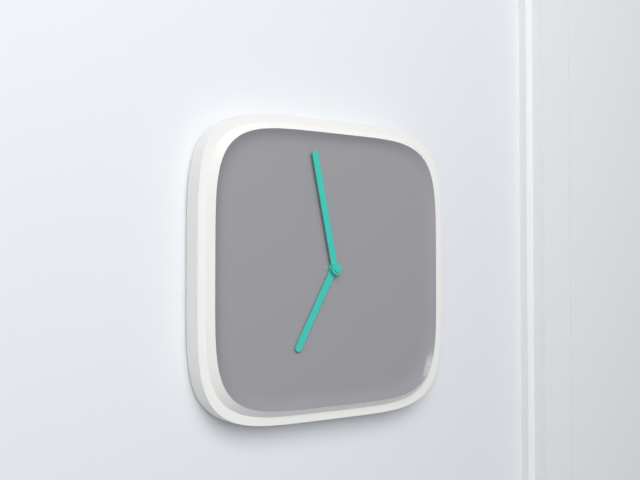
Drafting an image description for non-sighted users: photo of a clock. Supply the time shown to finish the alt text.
6:58
